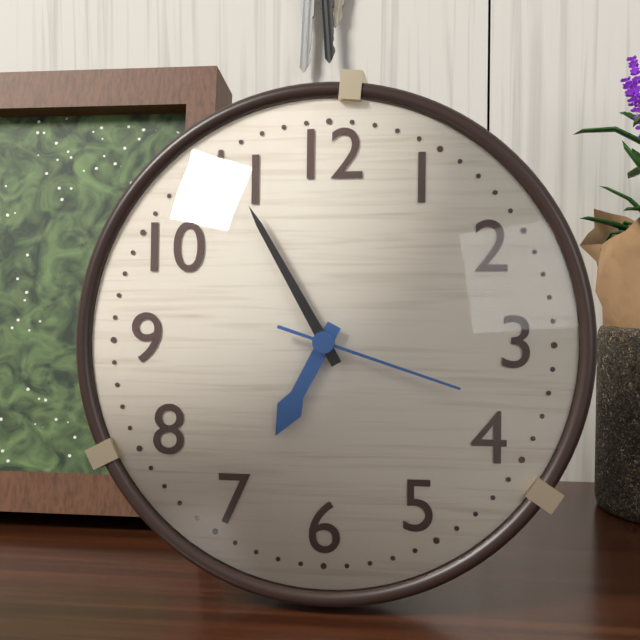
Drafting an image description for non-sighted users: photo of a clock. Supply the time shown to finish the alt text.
6:55:18
